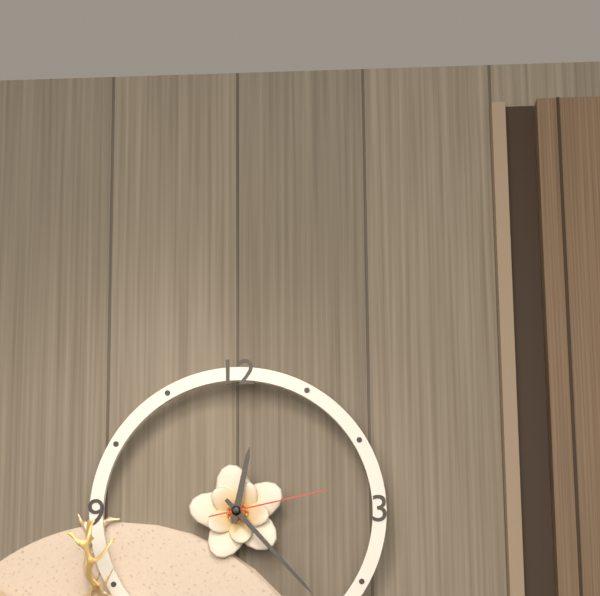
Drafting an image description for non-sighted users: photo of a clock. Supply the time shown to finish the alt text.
12:23:13
